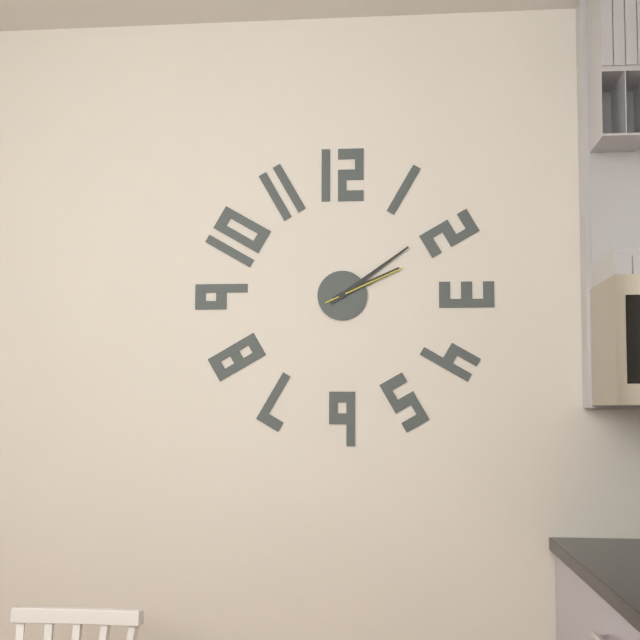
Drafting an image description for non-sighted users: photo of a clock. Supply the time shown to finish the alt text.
2:09:11
